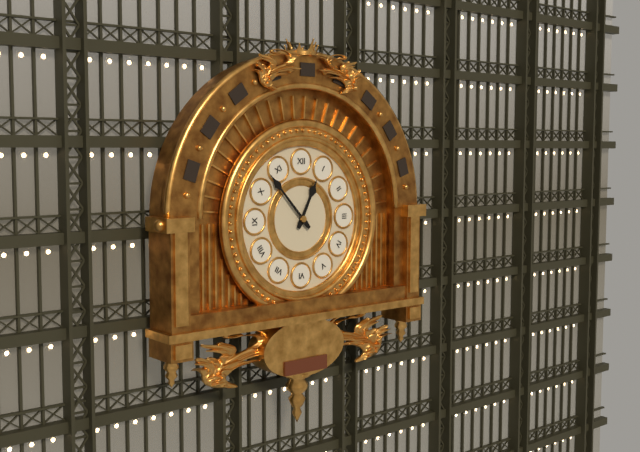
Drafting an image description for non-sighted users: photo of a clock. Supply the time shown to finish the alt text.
12:53
